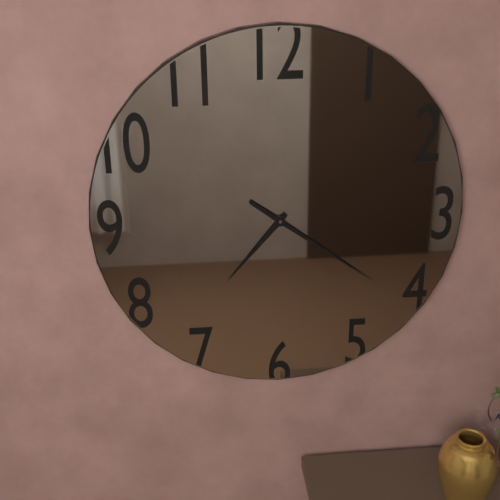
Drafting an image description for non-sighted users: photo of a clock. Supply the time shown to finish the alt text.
7:21
